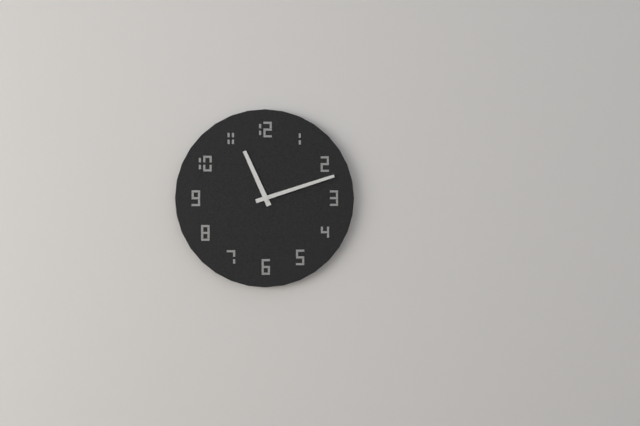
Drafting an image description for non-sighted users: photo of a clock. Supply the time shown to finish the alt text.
11:12
